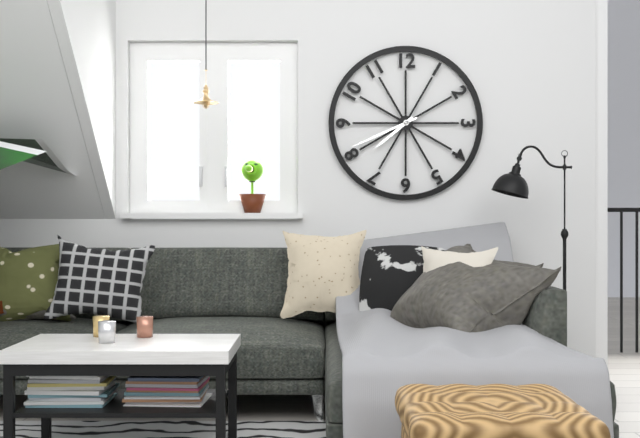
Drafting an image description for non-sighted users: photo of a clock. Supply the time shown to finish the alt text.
7:41
